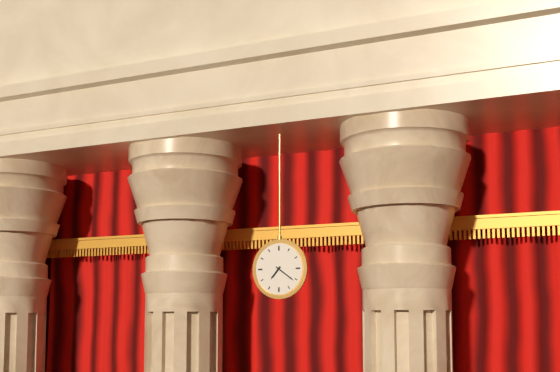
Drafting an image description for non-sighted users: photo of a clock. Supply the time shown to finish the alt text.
7:21
